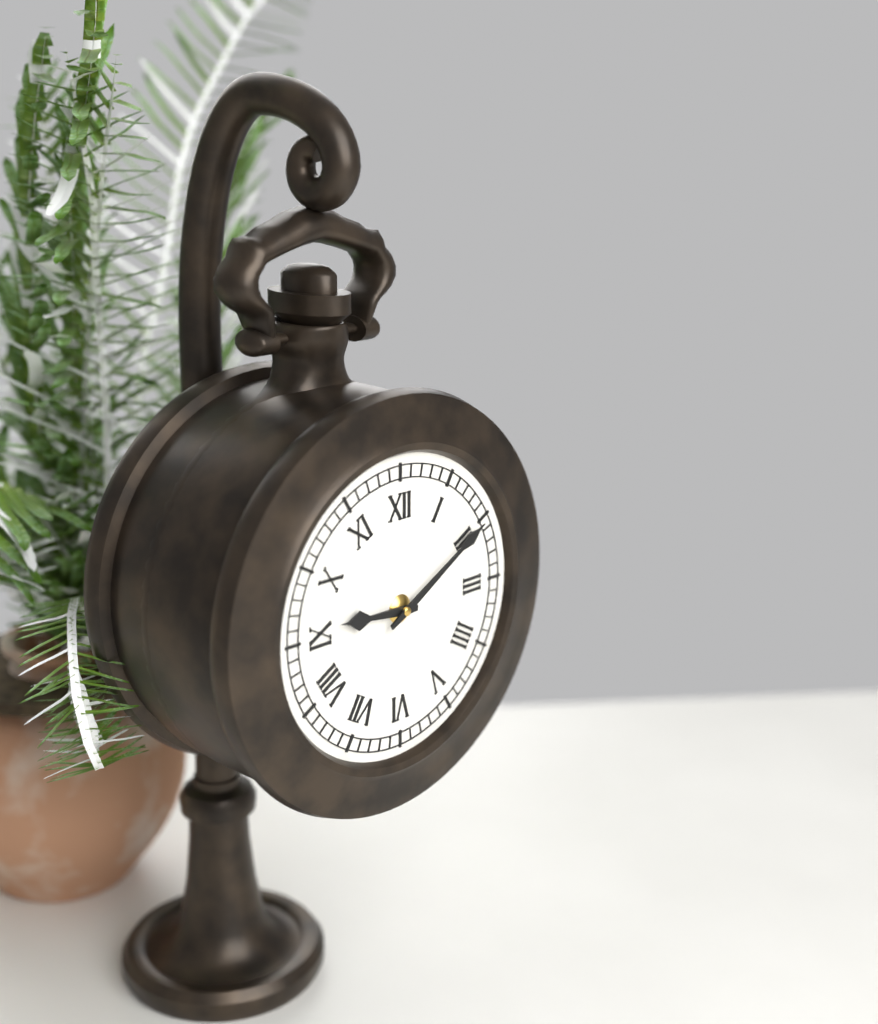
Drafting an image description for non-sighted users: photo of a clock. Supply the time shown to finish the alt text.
9:10
